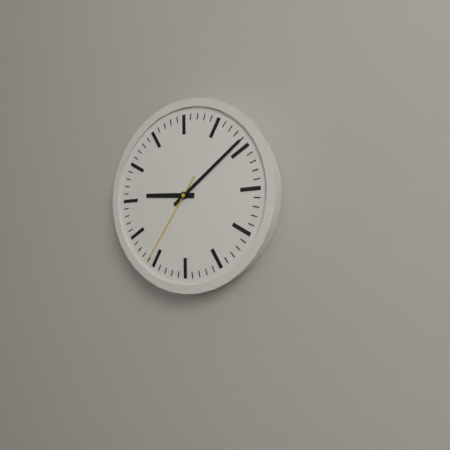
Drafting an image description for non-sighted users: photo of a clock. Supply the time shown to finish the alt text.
9:09:36
